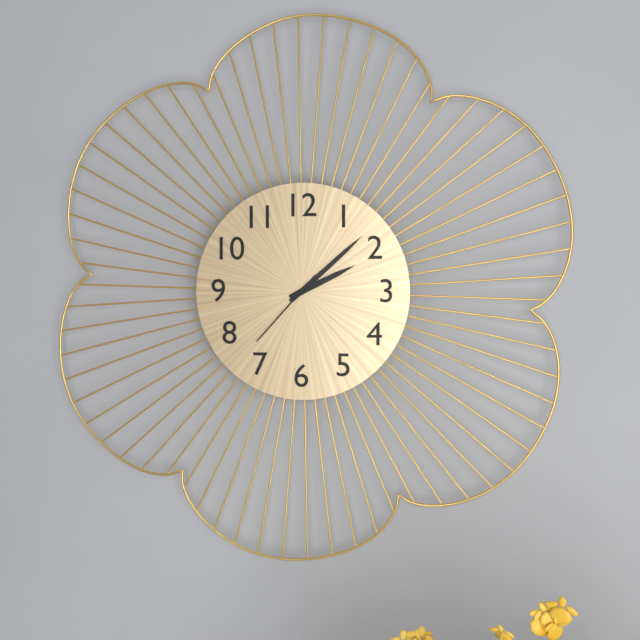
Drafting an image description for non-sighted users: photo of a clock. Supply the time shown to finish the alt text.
2:08:37
